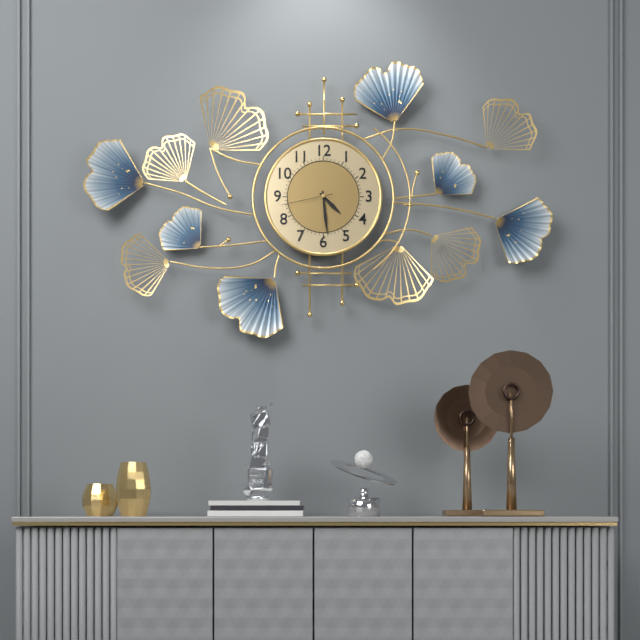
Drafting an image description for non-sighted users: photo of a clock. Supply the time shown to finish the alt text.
4:29:43
